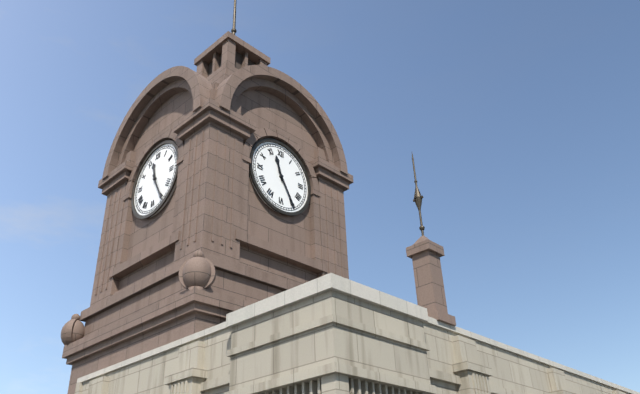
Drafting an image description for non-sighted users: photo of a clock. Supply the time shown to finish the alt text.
11:25
